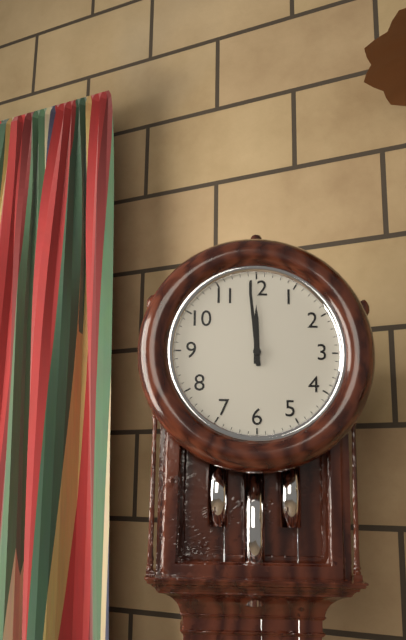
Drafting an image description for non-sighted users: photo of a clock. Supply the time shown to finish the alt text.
11:59
